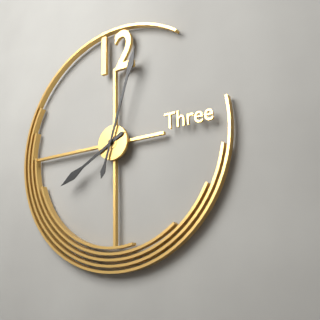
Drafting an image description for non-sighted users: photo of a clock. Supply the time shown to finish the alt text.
8:03
